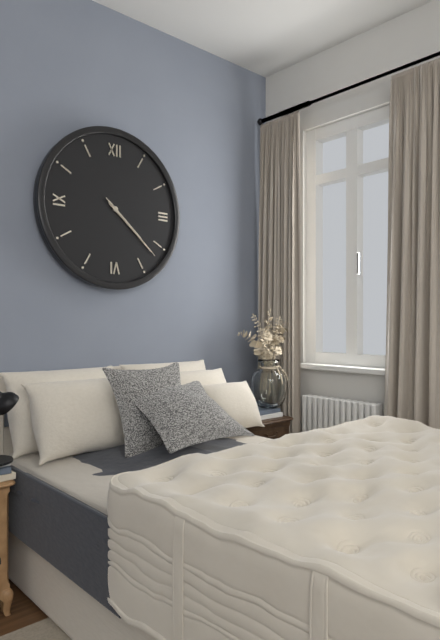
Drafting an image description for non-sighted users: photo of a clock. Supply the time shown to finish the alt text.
4:22:22
